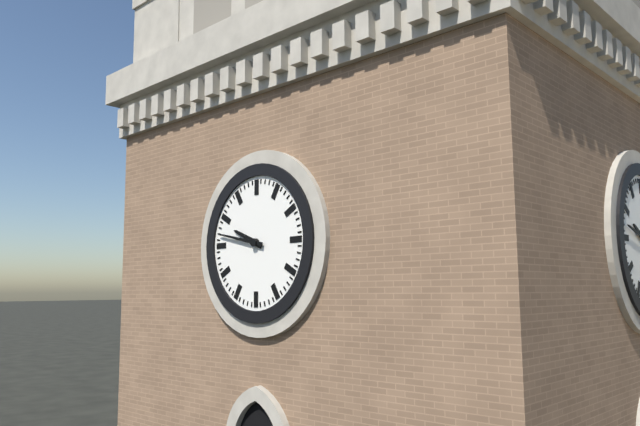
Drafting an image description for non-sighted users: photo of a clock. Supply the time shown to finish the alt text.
9:47
